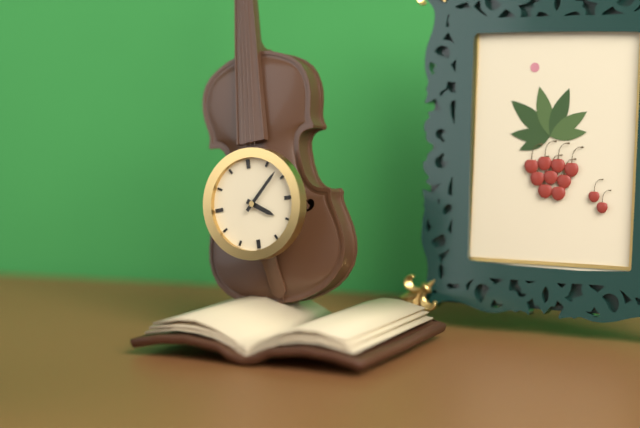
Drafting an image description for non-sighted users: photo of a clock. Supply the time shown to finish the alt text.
4:08
